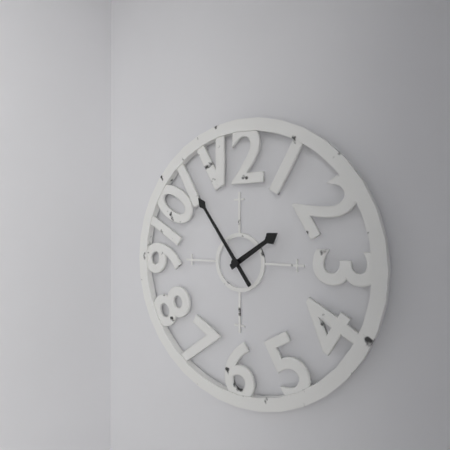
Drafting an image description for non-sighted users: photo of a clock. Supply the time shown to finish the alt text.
1:54
